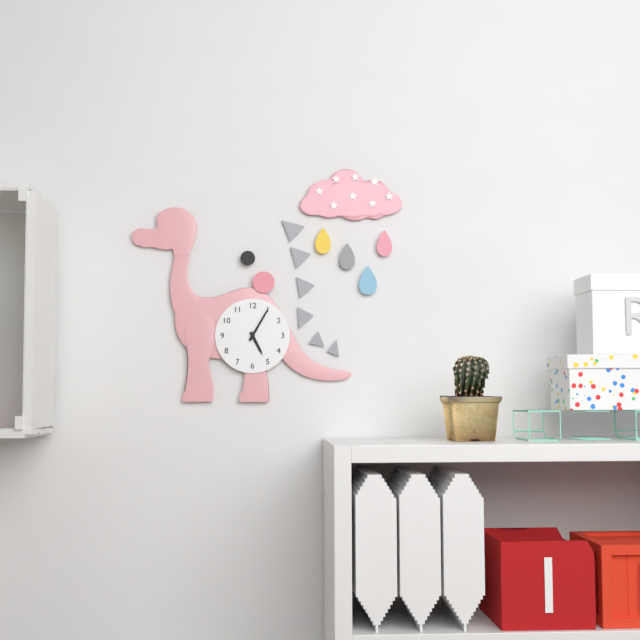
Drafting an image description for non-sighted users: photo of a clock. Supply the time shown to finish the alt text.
5:05
